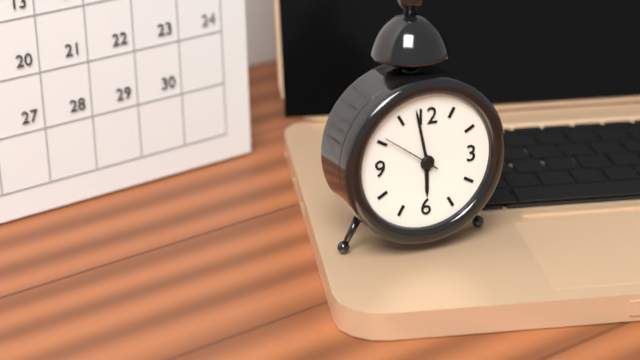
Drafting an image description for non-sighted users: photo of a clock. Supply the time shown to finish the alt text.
5:58
